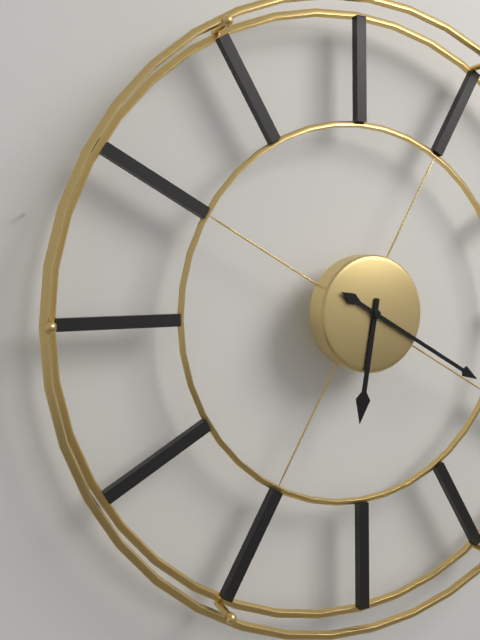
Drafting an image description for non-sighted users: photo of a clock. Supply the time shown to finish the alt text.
6:20
